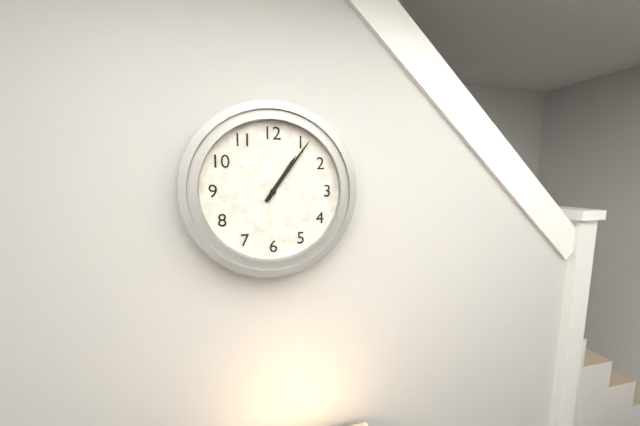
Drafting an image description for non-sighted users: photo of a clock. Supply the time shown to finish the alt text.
1:06
